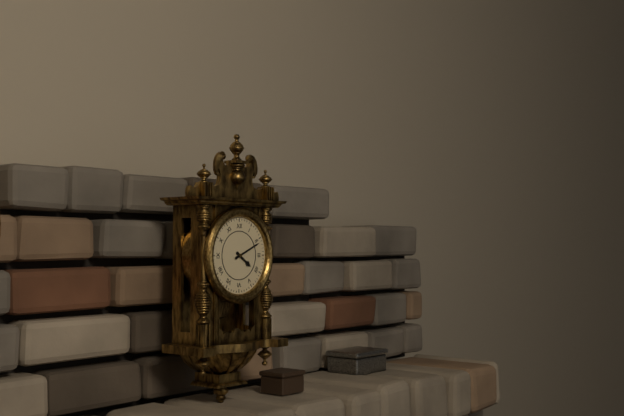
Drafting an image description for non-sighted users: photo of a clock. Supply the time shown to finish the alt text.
4:11
